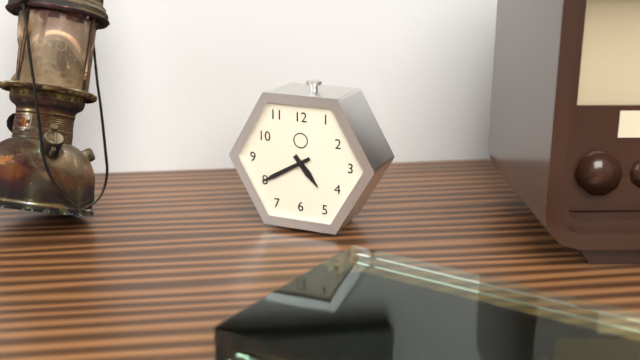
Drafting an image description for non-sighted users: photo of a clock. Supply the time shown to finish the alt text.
4:40
